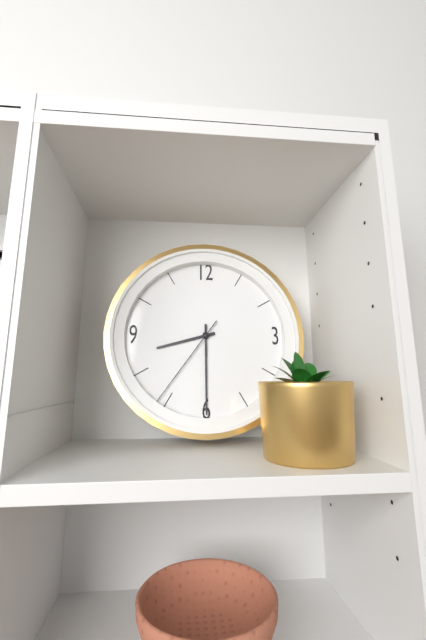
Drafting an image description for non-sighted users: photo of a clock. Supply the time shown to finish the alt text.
8:30:36
